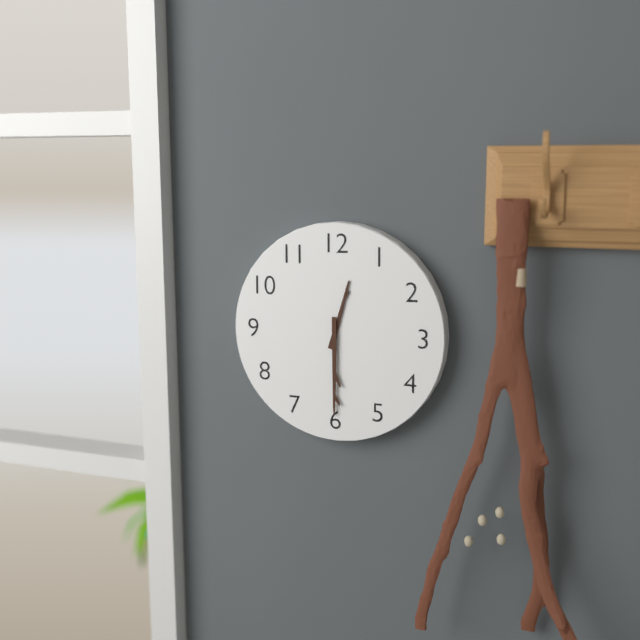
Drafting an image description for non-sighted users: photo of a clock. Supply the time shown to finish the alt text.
12:30
